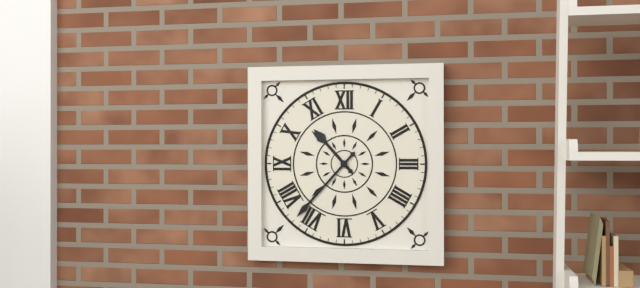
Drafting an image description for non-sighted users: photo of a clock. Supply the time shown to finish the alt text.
10:37
